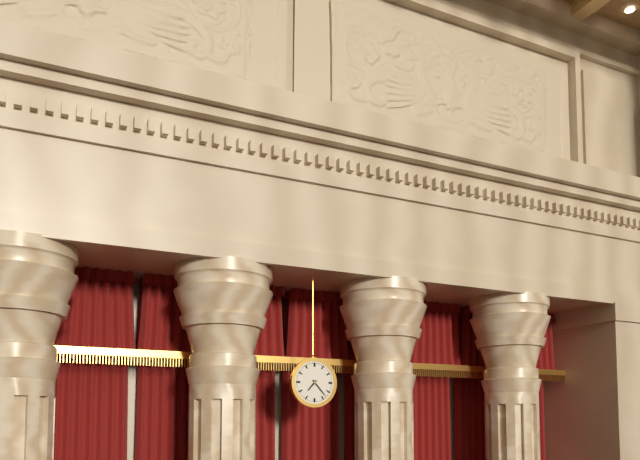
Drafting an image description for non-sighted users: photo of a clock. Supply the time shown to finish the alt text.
7:23
